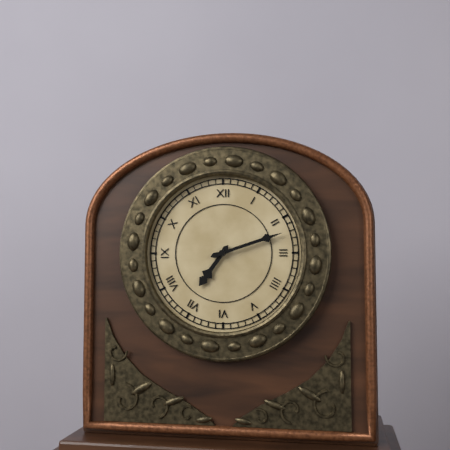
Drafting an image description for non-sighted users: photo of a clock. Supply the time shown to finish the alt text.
7:12
